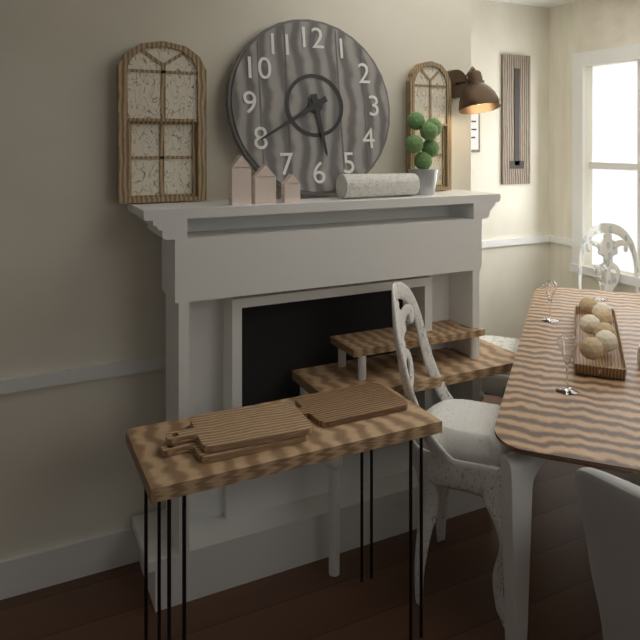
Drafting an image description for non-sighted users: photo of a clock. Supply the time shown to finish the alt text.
5:40
